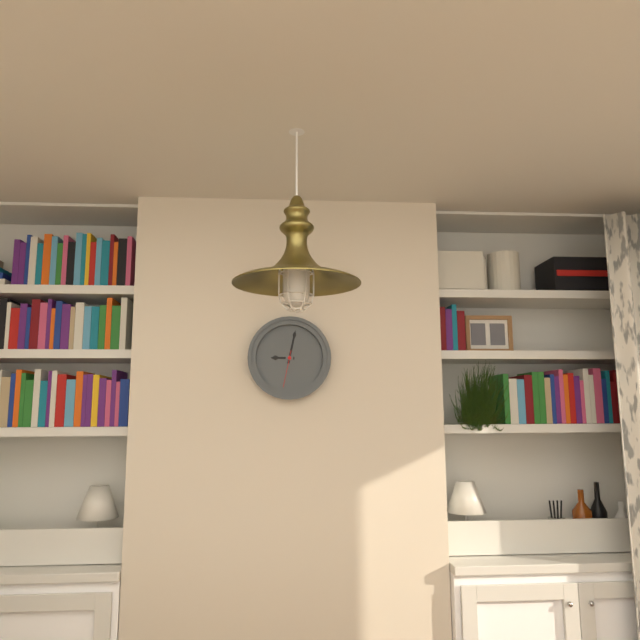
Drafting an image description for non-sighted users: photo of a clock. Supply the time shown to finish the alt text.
9:02
